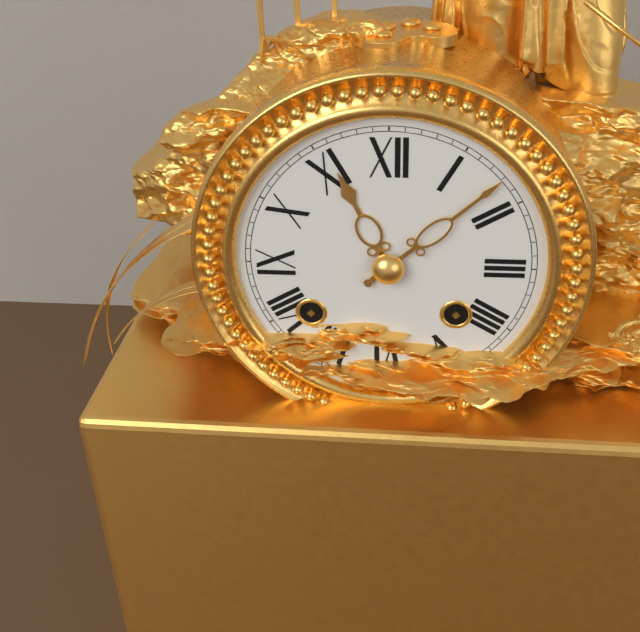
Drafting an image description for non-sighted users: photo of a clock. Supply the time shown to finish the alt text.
11:08
